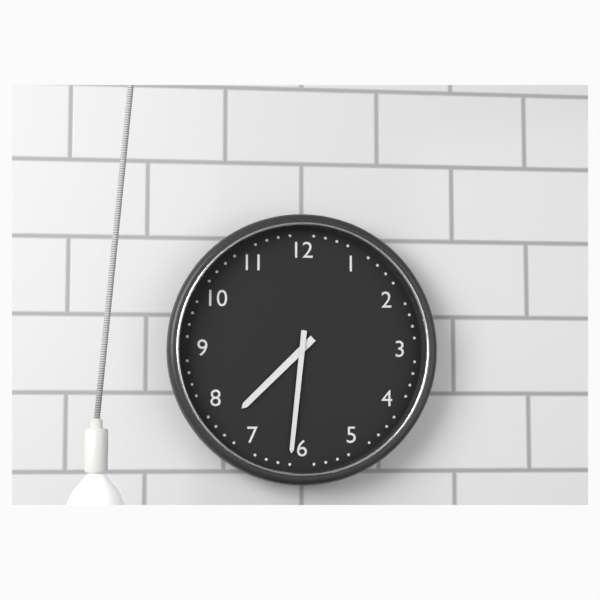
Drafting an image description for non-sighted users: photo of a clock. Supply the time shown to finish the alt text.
7:31
